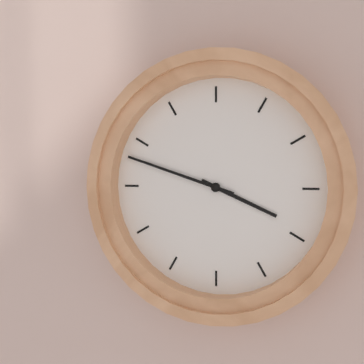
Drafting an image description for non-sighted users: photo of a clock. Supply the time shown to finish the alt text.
3:48
